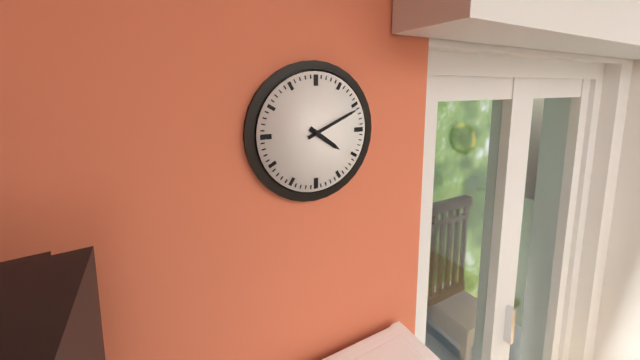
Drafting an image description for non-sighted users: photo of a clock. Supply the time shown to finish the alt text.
4:11
